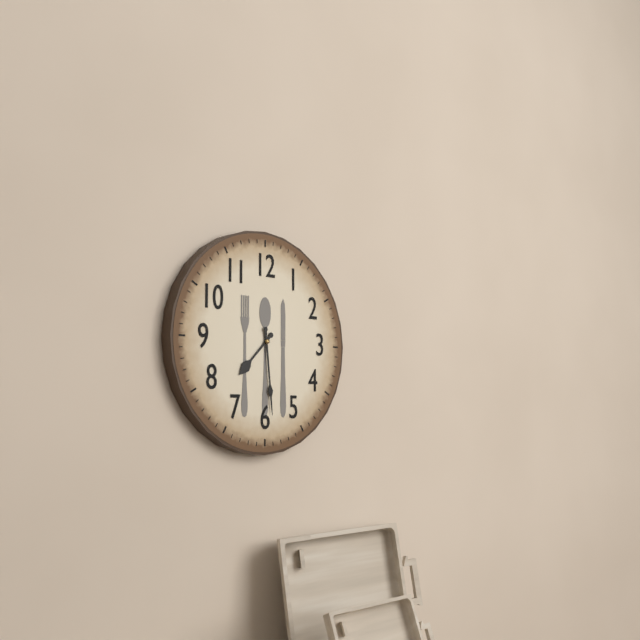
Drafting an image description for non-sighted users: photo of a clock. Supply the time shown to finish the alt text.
7:29
